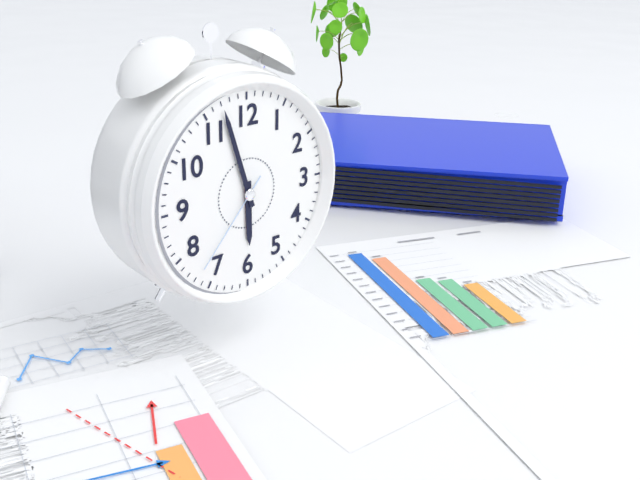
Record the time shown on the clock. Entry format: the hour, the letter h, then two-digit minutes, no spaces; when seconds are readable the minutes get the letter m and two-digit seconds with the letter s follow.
5h57m37s
